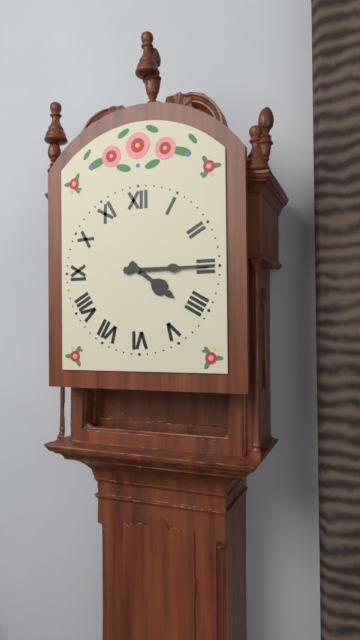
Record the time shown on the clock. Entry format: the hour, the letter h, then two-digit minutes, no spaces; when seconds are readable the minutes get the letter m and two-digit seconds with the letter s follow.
4h15
